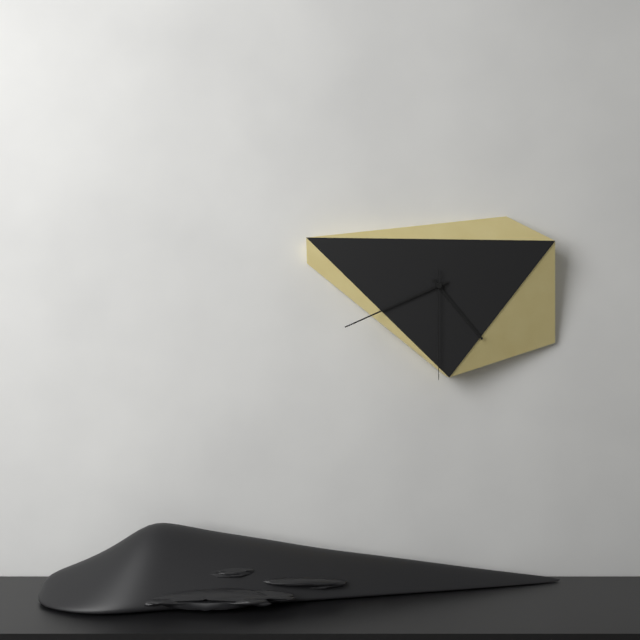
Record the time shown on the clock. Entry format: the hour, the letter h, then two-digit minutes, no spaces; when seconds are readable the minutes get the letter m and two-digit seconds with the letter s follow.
4h41m30s
